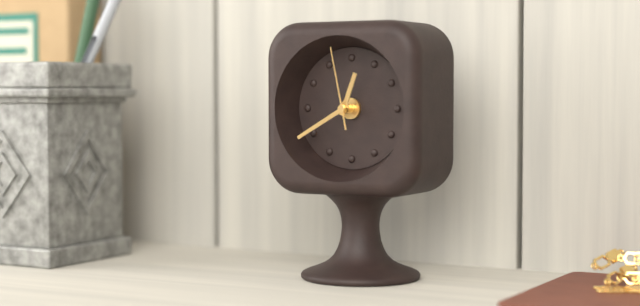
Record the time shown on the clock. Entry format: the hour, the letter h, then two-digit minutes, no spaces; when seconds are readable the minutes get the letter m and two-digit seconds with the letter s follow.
12h40m58s
